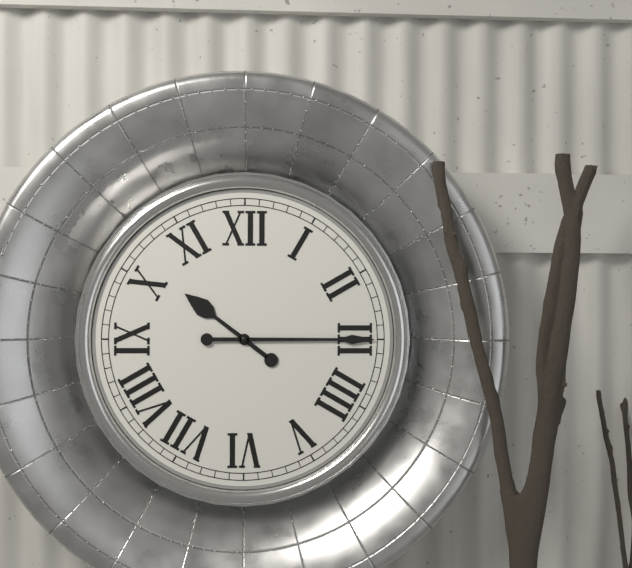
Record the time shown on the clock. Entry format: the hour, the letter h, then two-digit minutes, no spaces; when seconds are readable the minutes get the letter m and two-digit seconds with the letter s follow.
10h15
